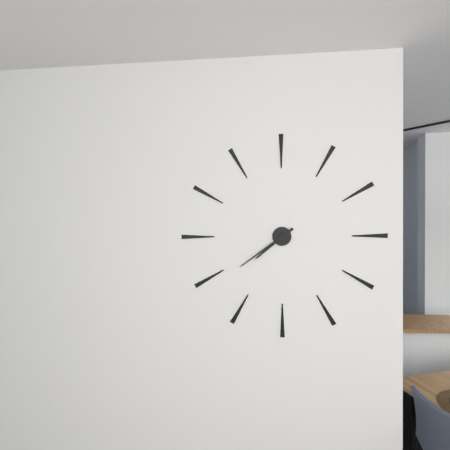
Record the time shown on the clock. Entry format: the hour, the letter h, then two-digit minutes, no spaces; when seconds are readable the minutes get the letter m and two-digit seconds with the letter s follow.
7h39
